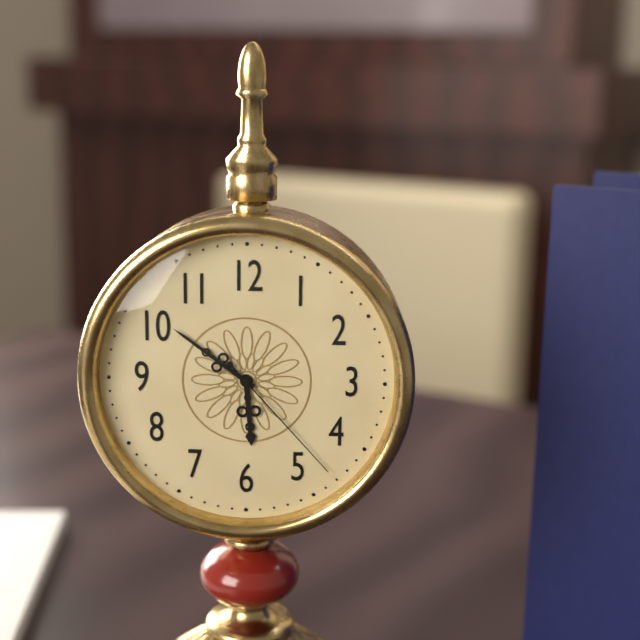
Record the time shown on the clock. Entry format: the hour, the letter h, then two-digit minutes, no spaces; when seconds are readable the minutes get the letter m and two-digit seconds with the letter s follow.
5h51m23s
